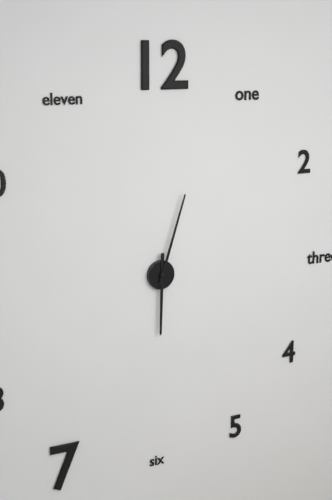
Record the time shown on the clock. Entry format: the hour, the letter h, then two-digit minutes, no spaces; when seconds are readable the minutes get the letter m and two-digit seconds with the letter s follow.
6h03
